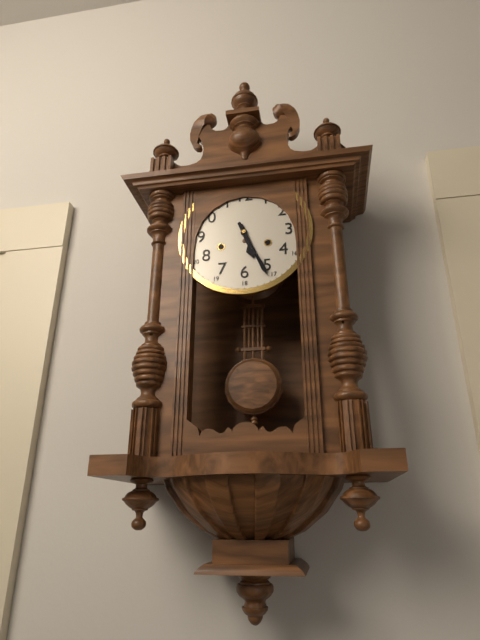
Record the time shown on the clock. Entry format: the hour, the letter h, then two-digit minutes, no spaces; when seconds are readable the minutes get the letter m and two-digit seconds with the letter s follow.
5h26
